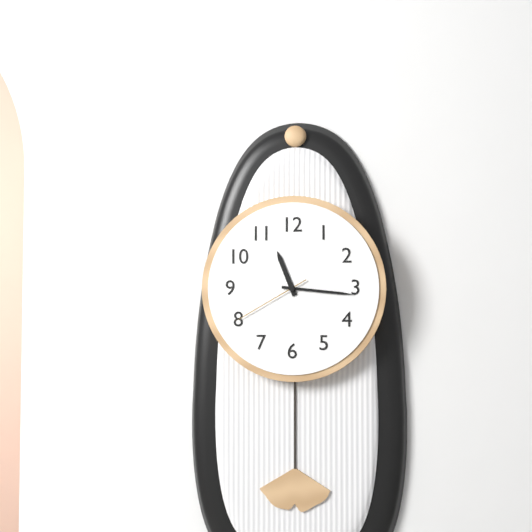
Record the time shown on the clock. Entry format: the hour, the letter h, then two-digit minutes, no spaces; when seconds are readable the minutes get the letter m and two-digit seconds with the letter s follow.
11h16m40s
